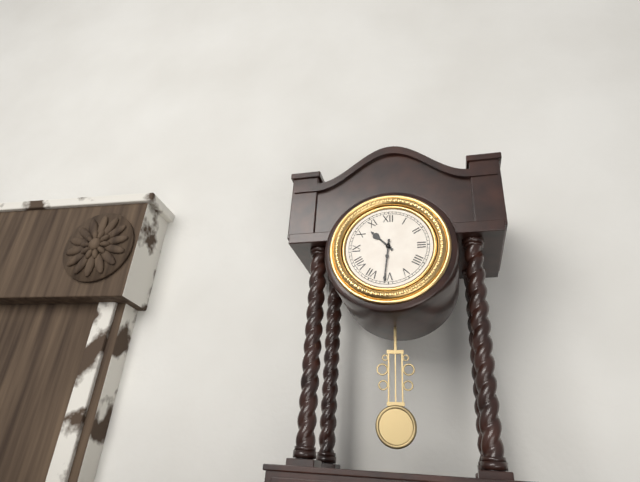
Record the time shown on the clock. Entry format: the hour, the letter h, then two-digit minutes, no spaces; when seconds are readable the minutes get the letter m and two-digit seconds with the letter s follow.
10h31
